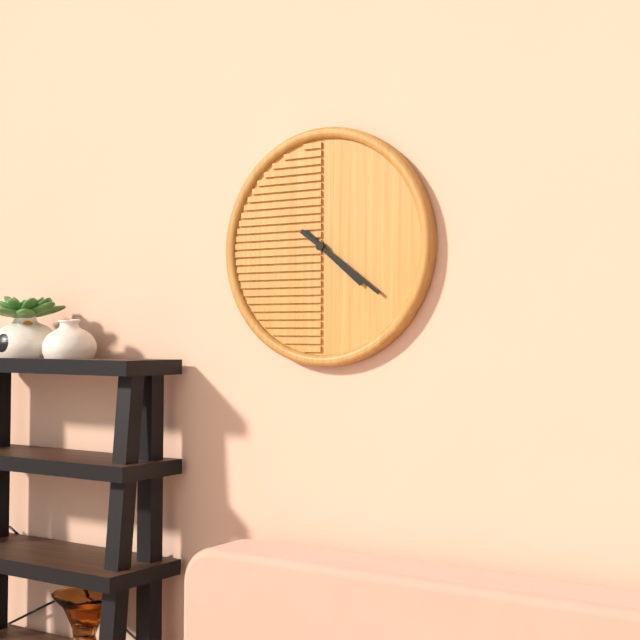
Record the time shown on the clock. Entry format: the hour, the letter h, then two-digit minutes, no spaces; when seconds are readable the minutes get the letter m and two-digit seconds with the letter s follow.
4h21
